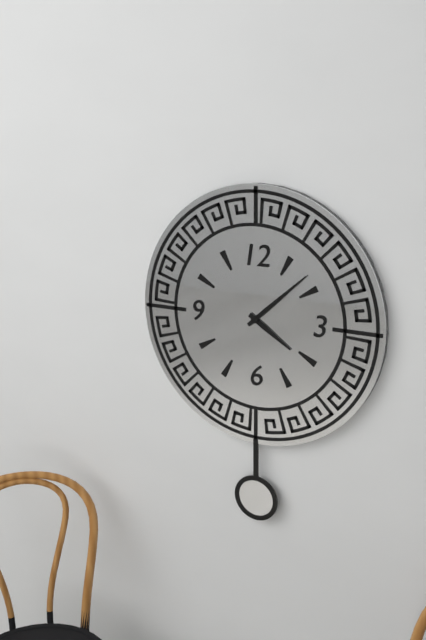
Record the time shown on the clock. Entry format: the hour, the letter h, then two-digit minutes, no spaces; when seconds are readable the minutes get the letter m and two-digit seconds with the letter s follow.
4h08
